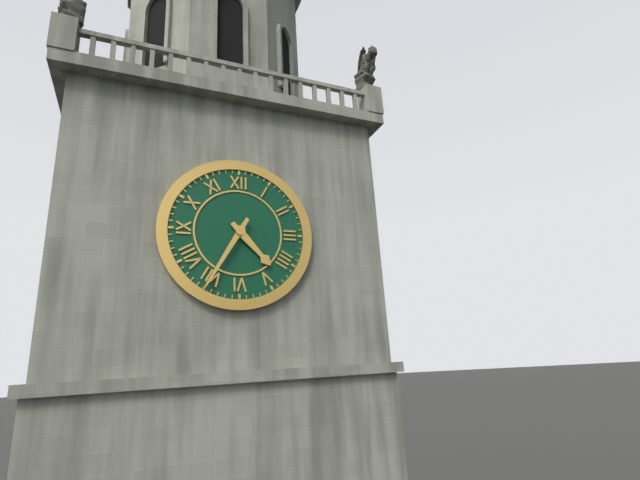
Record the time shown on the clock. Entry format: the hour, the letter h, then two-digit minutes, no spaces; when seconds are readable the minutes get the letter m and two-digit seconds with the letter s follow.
4h35
